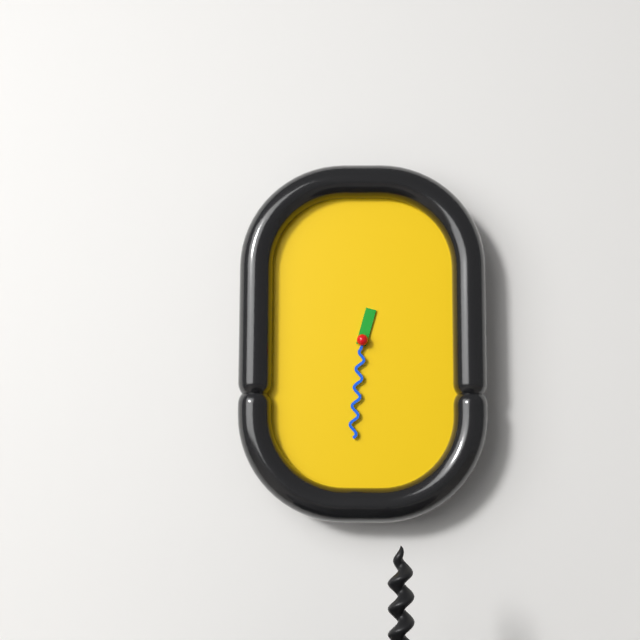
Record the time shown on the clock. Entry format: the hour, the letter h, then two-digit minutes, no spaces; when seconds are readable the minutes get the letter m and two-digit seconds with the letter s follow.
12h31
